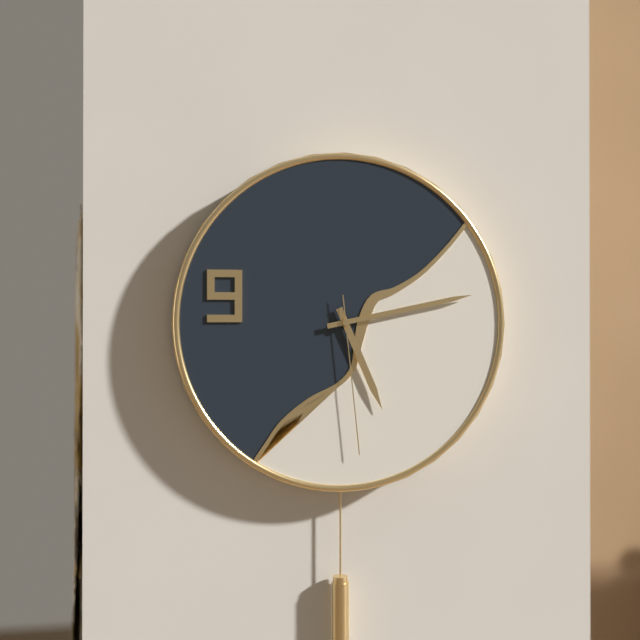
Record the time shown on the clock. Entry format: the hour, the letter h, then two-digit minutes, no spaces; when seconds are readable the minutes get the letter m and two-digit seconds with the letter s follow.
5h13m29s
